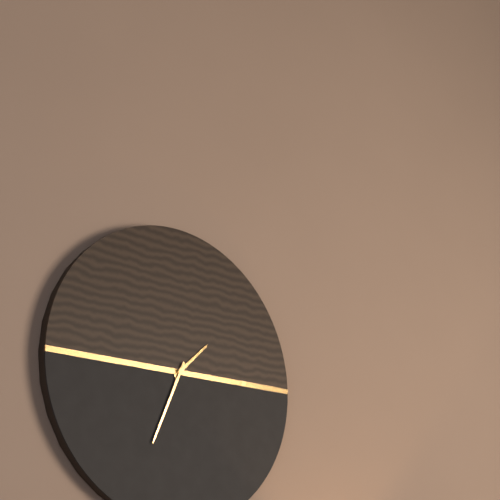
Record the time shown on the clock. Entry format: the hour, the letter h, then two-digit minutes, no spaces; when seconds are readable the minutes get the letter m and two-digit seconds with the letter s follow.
1h34
